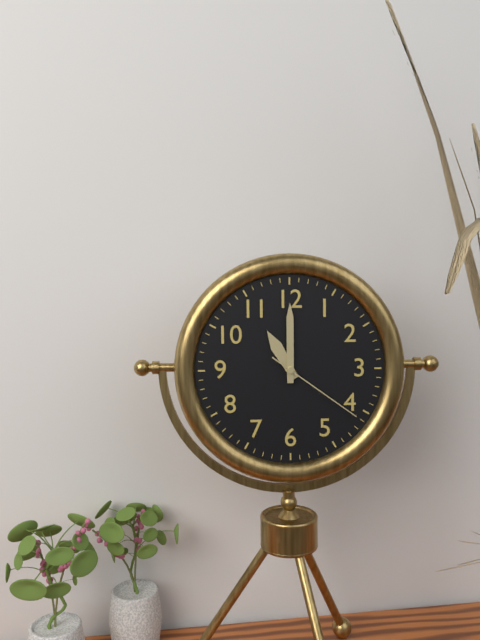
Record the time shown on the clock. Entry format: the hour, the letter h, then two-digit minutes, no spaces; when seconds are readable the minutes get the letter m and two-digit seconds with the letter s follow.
11h00m21s
